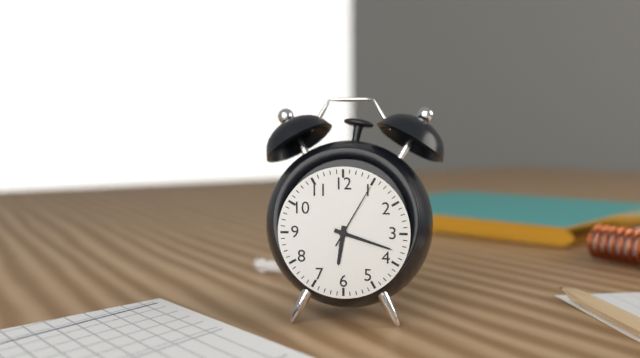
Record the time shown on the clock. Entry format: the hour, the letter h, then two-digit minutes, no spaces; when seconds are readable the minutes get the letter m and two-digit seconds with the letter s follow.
6h18m05s
